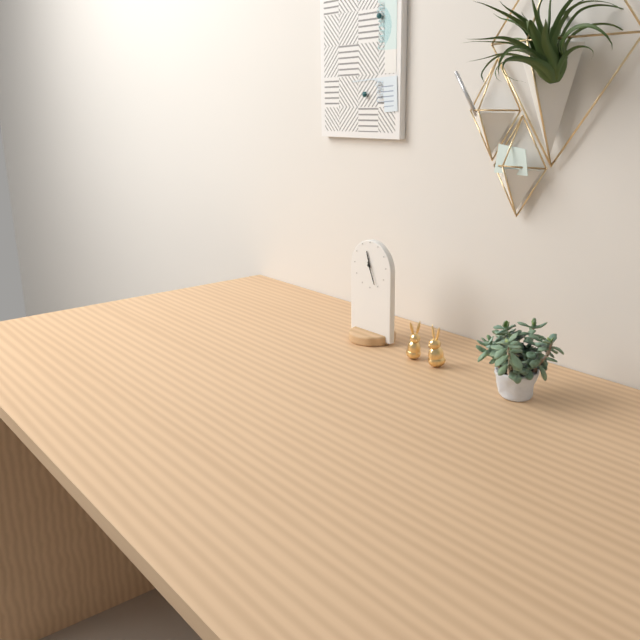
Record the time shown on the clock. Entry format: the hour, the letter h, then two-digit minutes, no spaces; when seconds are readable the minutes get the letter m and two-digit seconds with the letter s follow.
11h26
